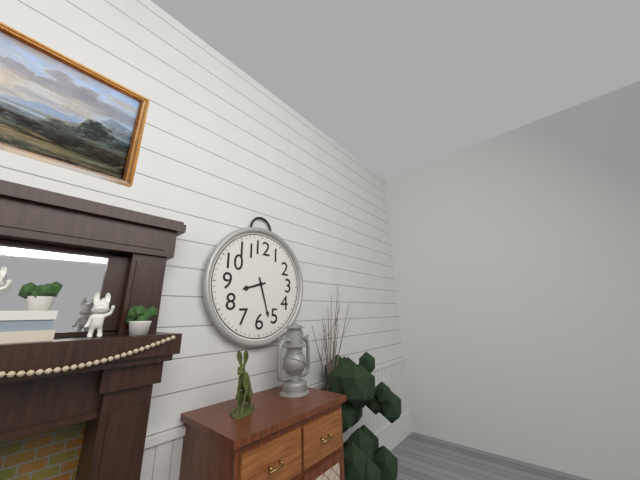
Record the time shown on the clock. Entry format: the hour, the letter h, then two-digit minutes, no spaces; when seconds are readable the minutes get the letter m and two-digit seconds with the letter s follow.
8h27
